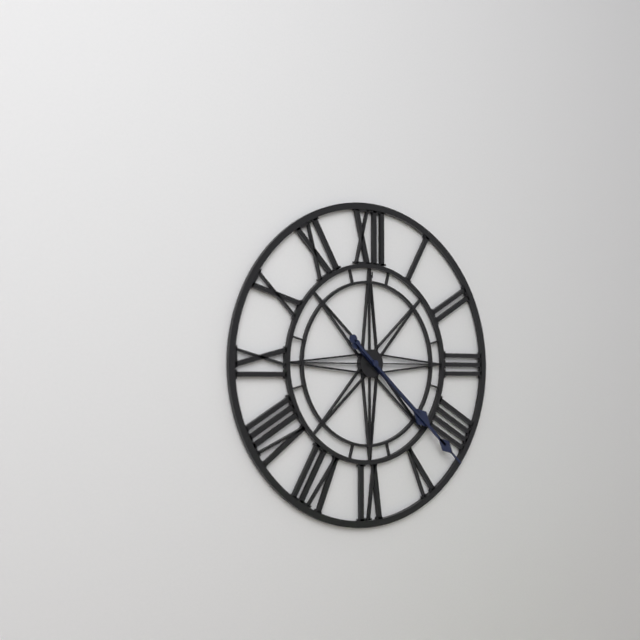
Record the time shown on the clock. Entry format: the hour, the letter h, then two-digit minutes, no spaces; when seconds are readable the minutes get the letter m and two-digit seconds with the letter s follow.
4h22
